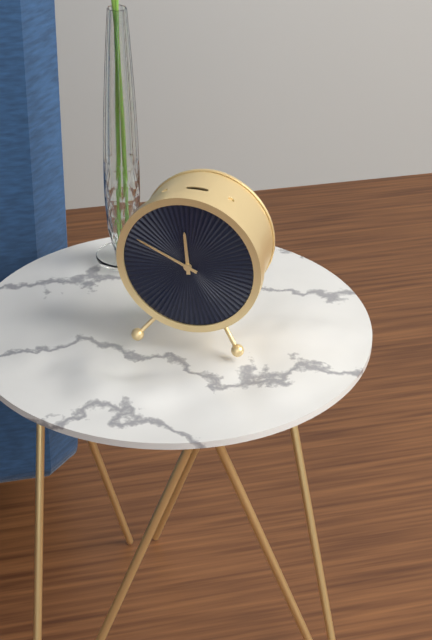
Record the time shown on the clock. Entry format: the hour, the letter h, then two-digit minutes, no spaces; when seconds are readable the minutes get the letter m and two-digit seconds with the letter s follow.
11h49
